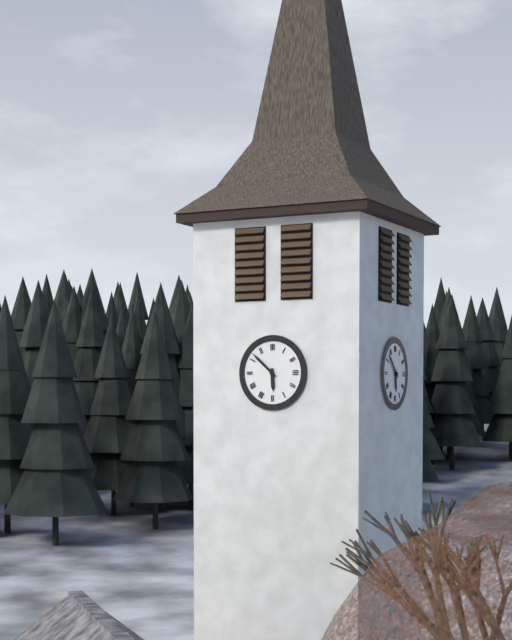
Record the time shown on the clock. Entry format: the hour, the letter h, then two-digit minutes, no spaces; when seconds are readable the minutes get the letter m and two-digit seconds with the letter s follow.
5h52
